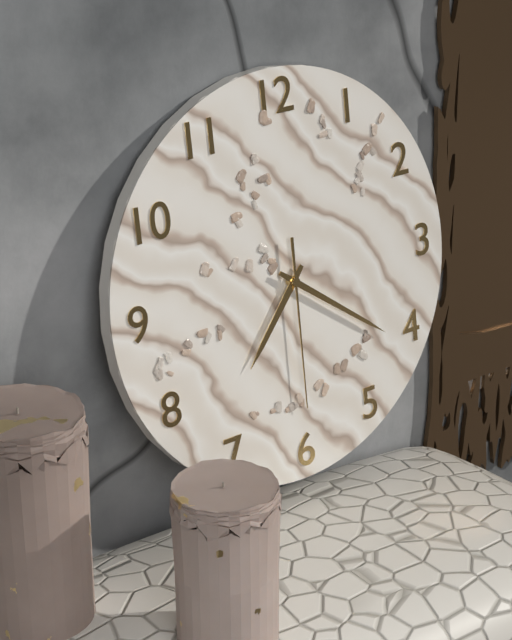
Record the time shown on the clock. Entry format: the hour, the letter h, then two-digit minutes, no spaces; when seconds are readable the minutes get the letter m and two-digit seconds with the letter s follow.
7h21m30s
